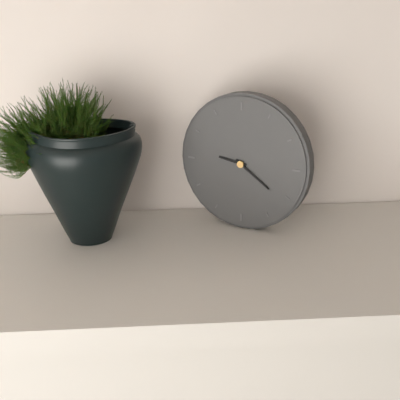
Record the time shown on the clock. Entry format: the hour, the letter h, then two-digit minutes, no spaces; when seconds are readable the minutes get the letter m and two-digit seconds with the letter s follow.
9h21
